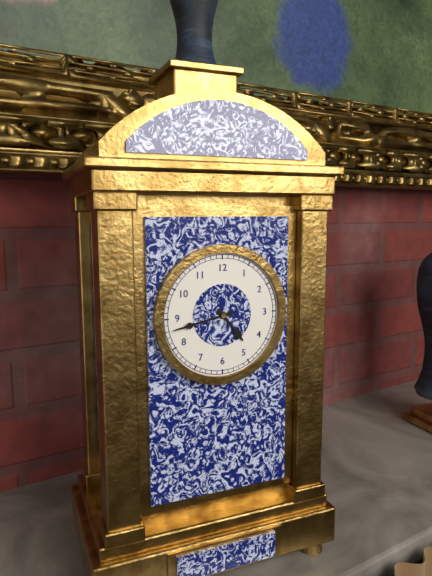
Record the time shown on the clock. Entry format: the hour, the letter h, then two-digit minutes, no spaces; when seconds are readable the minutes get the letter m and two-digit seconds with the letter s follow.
4h43
